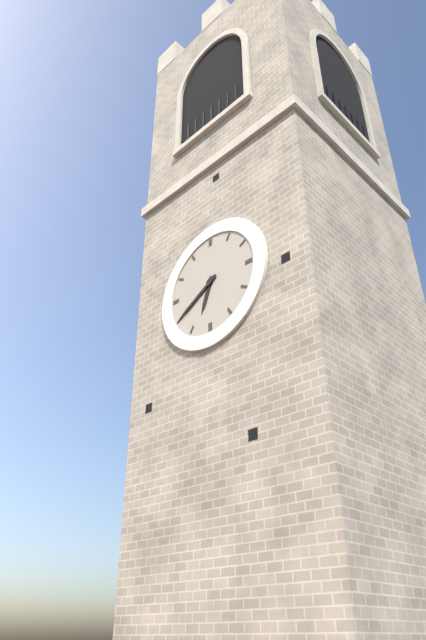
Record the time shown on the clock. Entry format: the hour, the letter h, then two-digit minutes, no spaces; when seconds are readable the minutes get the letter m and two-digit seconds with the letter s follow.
6h40
